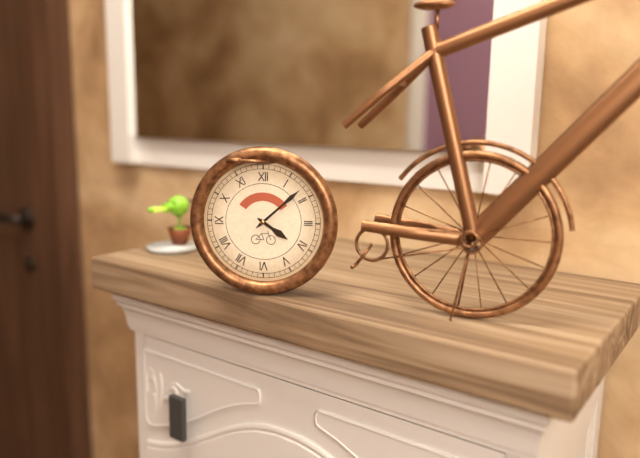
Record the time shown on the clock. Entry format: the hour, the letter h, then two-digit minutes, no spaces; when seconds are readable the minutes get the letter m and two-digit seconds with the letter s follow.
4h08
